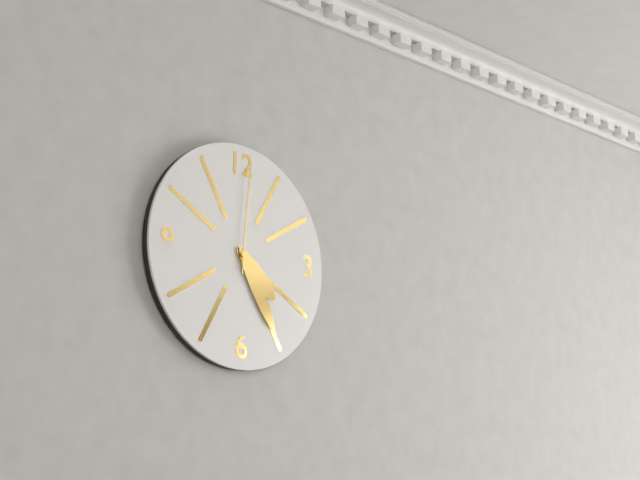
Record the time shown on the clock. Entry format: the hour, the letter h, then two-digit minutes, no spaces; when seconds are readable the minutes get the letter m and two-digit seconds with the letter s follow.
4h25m01s
